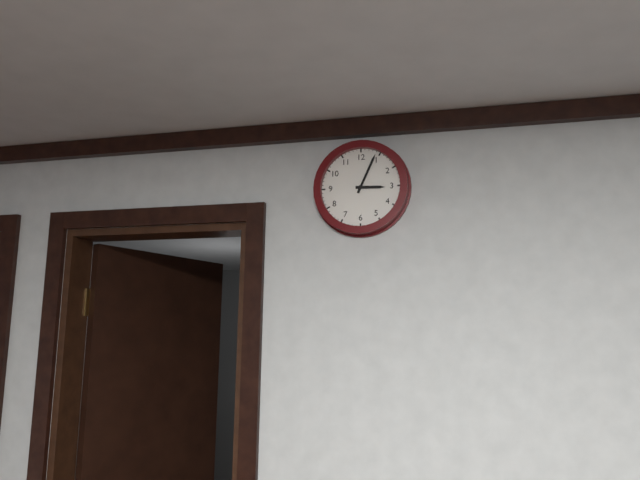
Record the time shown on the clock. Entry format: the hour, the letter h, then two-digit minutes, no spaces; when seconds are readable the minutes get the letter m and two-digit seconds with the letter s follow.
3h04
